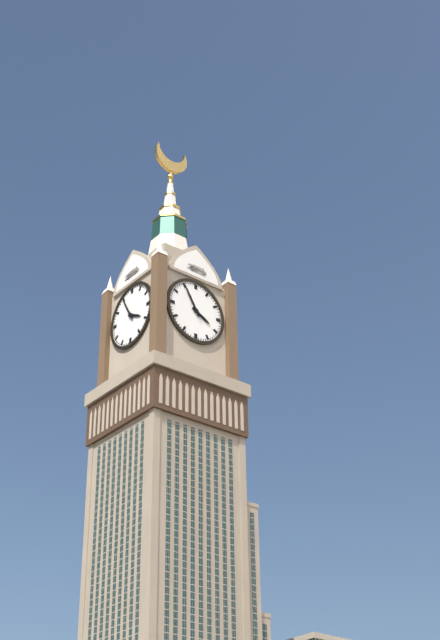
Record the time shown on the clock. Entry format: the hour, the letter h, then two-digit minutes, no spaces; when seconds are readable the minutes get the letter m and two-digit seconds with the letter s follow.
3h55
